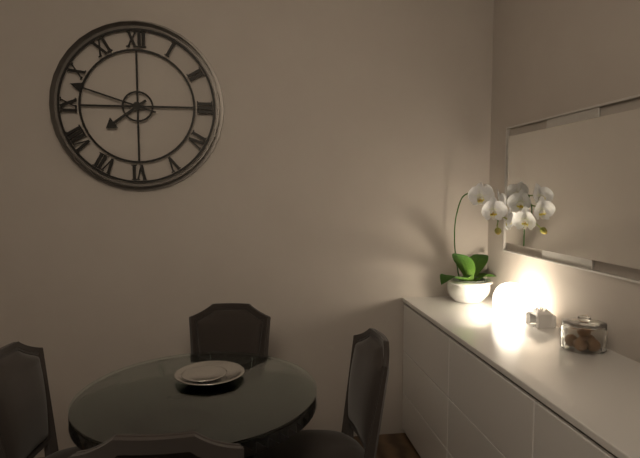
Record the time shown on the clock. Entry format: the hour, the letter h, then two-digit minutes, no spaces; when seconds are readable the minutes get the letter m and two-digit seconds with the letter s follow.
7h48
